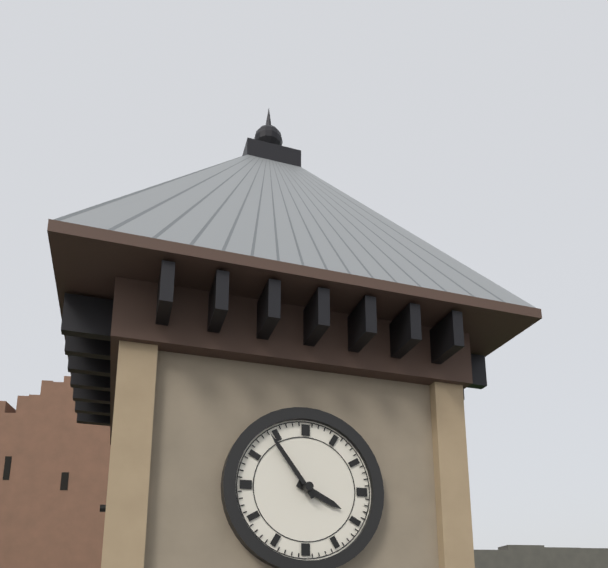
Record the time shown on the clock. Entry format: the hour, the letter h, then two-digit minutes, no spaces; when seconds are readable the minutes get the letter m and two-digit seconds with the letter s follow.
3h54
